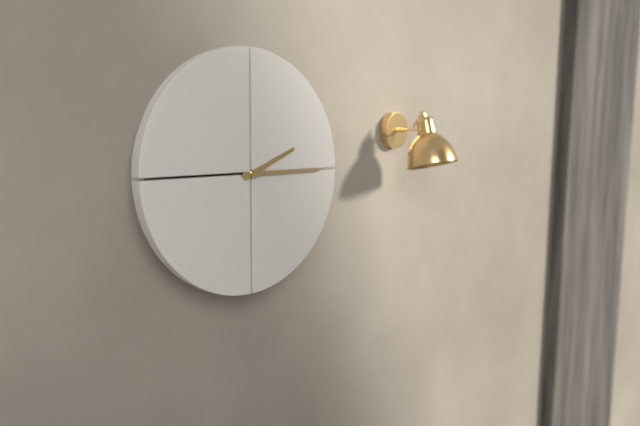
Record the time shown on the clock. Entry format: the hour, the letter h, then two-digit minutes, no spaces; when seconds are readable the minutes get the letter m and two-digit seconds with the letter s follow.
2h15
